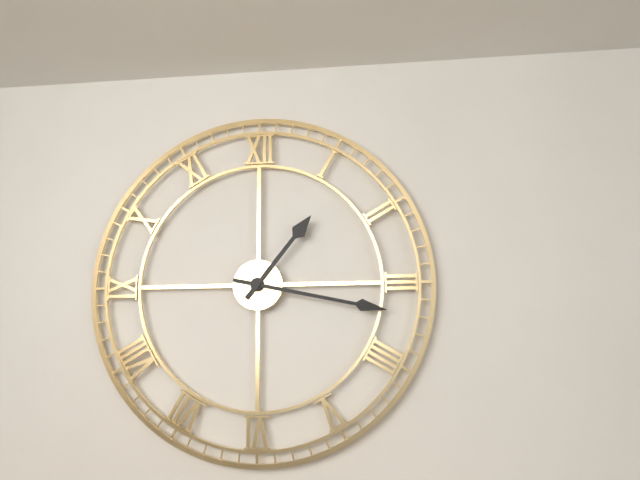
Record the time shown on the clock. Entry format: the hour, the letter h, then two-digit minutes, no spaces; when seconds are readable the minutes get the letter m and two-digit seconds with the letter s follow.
1h17
